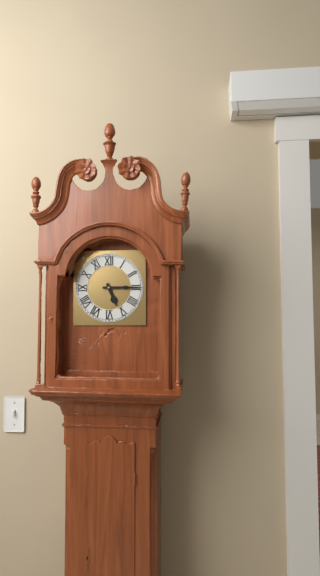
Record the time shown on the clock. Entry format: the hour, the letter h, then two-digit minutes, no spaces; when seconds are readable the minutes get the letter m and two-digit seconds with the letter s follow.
5h15
